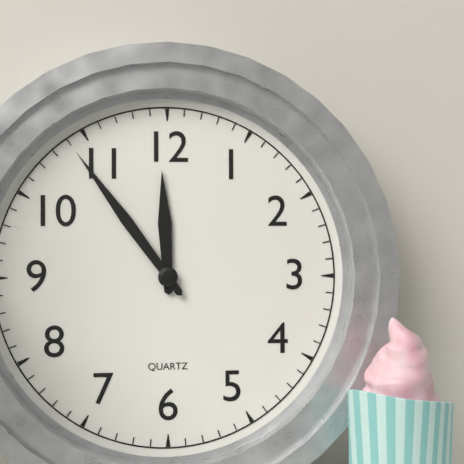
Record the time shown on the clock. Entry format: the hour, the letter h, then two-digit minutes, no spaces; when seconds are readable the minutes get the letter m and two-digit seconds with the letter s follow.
11h54
